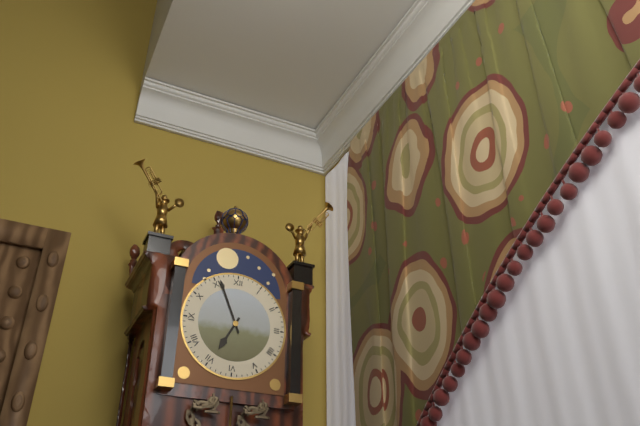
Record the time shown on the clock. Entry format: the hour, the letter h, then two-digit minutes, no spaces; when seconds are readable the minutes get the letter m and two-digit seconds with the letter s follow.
6h56
